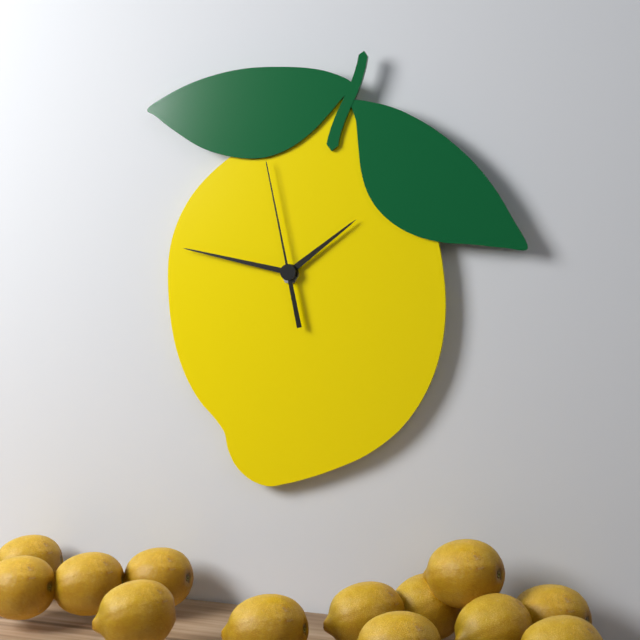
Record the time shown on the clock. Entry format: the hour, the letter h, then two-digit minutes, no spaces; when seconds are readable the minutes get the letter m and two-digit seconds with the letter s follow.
1h47m58s
